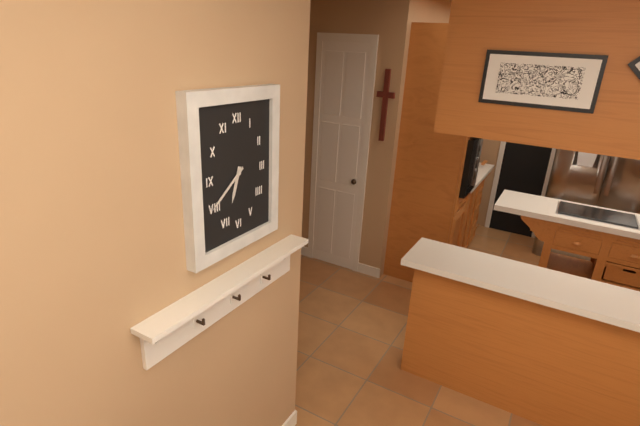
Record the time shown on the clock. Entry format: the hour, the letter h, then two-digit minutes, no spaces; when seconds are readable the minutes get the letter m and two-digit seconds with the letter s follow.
6h39
